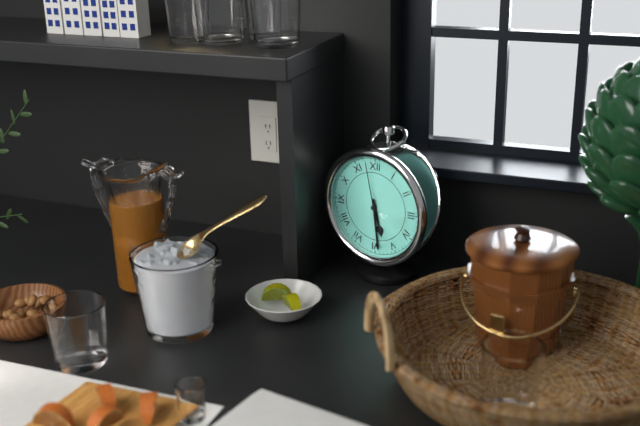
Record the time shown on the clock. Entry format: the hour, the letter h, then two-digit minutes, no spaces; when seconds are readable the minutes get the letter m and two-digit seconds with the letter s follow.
5h29m58s
